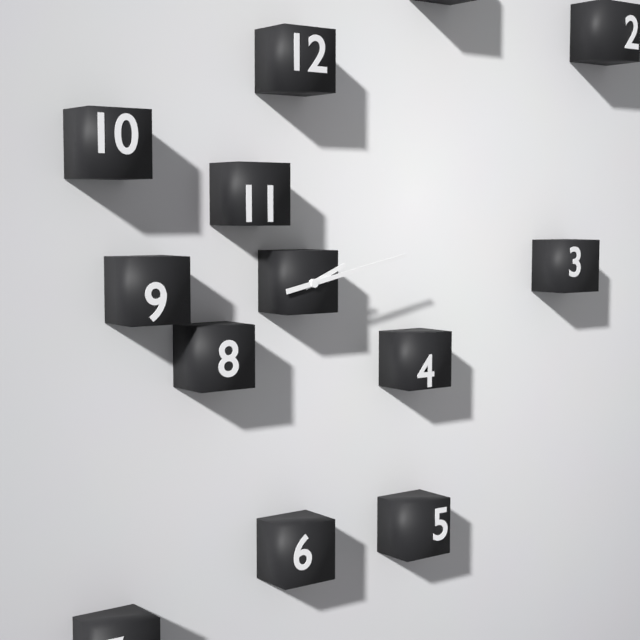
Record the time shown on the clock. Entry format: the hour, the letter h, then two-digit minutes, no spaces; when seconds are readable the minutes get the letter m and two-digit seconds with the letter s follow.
2h13
